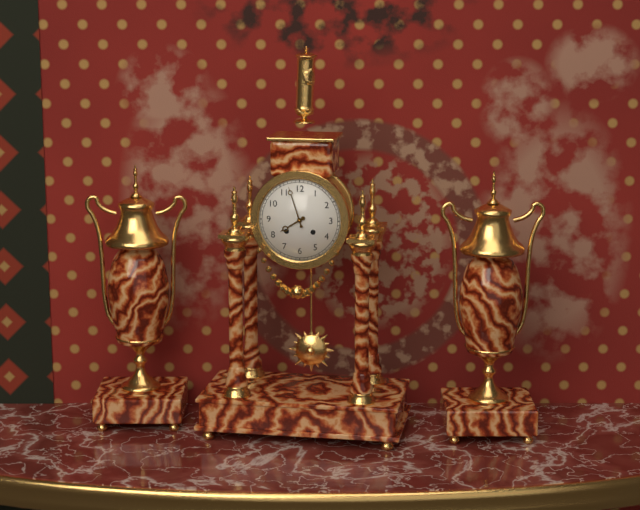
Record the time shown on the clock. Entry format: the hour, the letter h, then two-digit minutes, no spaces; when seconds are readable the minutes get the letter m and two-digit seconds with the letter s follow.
7h57
